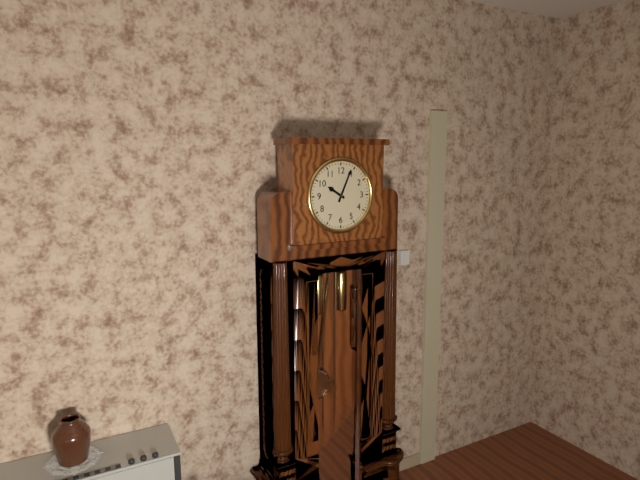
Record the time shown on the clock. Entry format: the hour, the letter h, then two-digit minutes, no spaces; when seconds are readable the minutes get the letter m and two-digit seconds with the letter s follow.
10h04
